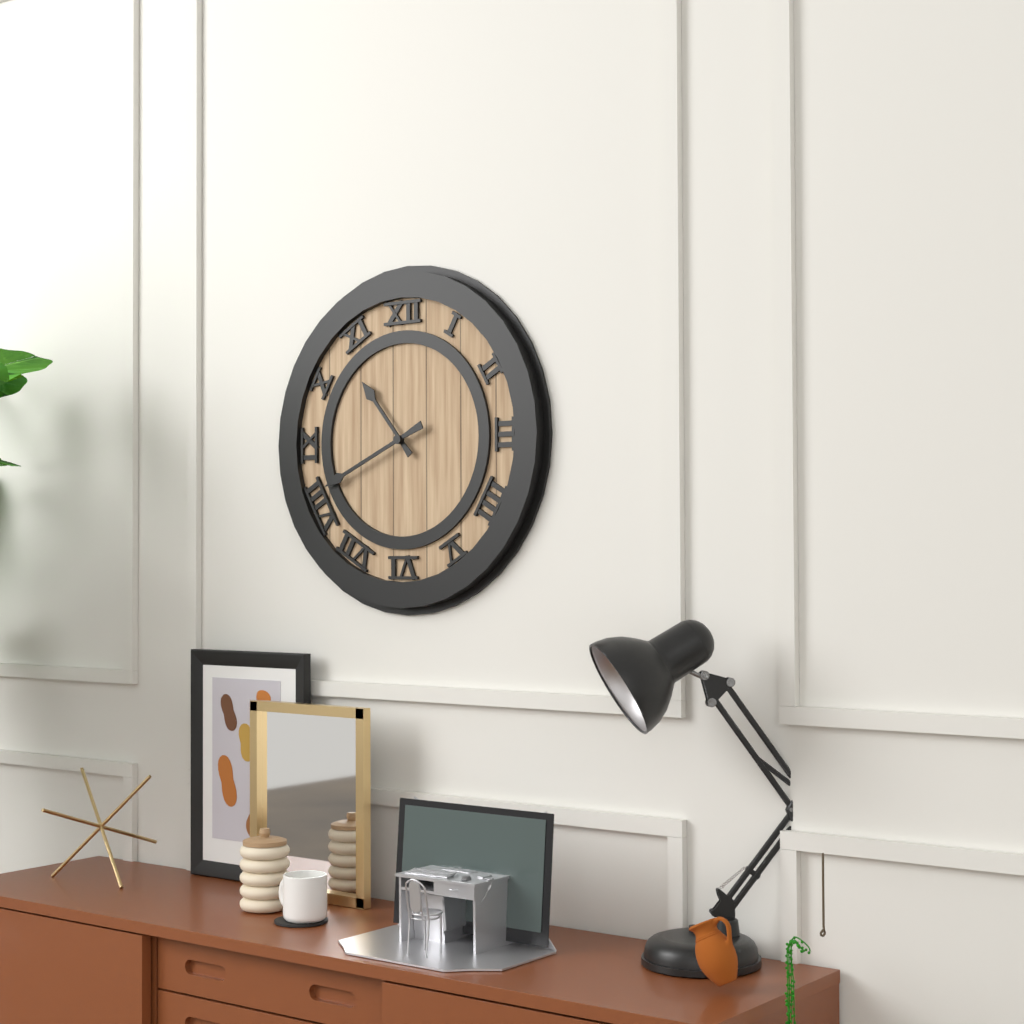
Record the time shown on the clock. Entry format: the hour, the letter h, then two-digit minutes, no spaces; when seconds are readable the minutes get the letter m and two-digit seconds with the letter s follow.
10h41
